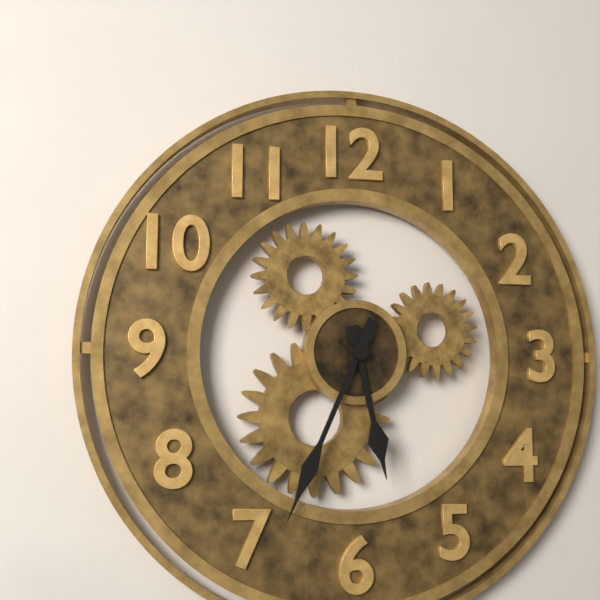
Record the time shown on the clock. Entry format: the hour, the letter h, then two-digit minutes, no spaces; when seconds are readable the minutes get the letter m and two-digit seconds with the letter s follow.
5h34
